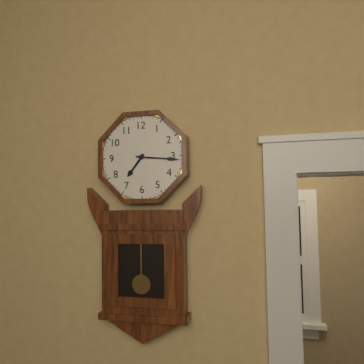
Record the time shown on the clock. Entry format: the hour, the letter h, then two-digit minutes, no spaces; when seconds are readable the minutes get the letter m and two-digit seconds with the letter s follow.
7h16
